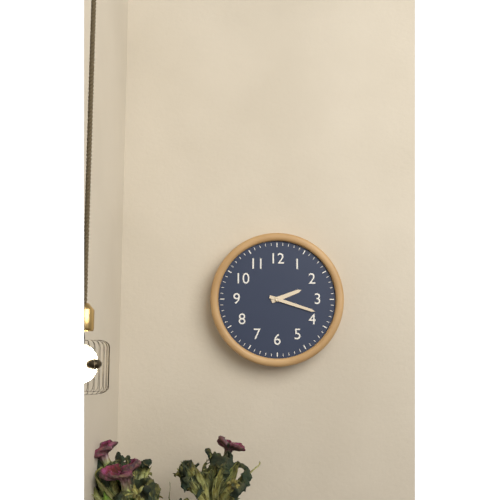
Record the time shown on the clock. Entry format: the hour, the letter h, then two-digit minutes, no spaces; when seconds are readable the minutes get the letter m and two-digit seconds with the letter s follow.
2h18
